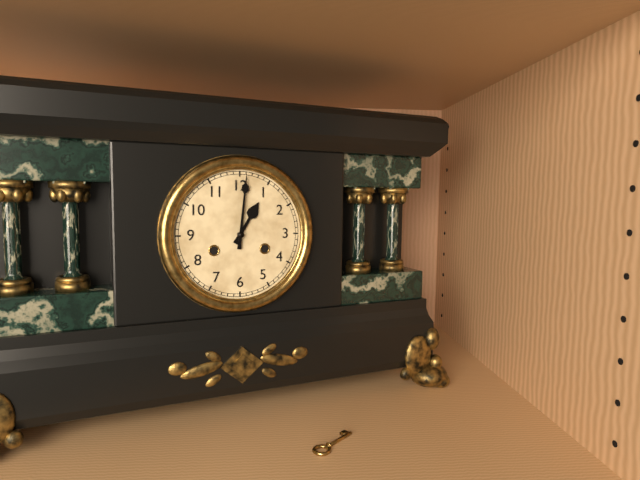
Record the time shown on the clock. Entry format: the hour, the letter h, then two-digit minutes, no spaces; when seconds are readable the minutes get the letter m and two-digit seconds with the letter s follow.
1h01
